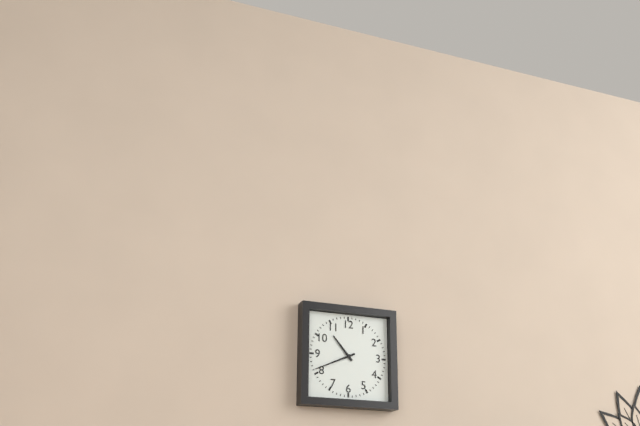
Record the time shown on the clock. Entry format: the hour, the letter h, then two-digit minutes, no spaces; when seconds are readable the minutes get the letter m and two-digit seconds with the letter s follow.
10h41
